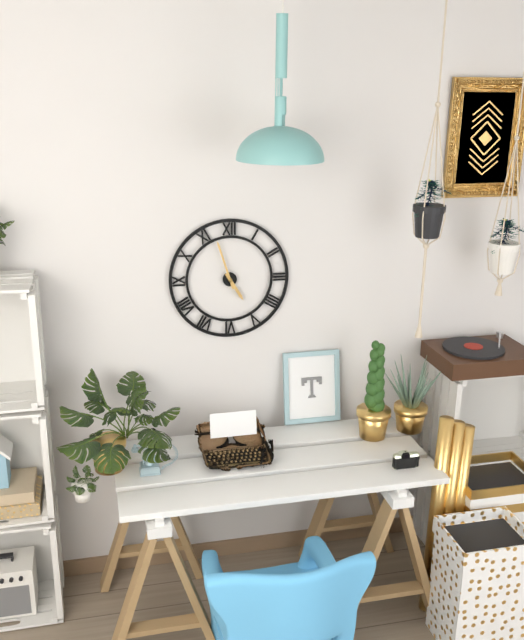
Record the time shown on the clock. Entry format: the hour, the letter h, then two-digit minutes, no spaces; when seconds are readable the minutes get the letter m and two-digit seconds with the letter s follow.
4h57
